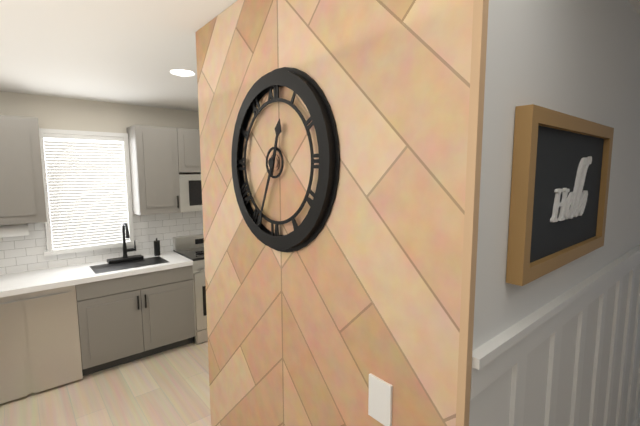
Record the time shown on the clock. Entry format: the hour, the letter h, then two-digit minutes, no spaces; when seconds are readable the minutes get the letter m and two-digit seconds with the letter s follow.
12h34
